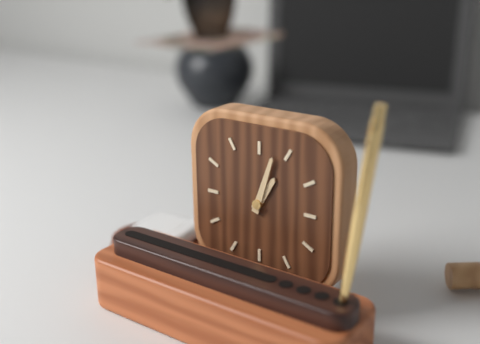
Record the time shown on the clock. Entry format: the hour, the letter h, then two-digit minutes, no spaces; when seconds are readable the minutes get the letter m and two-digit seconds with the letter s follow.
1h03
